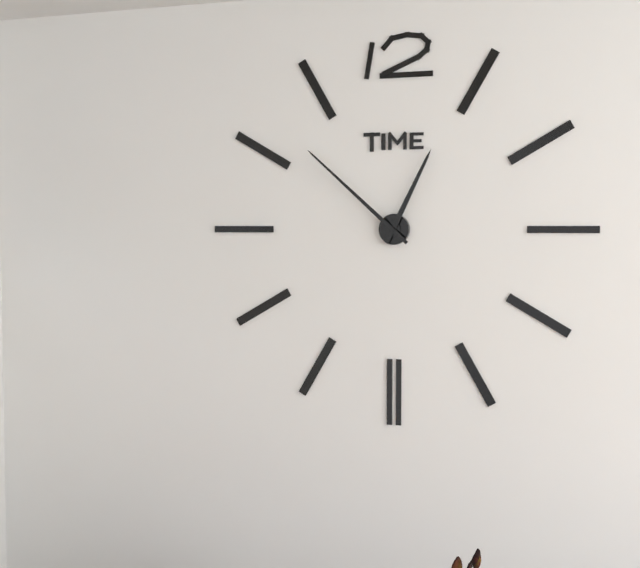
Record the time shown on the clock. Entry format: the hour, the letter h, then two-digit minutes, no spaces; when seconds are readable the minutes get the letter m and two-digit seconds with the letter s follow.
12h52
